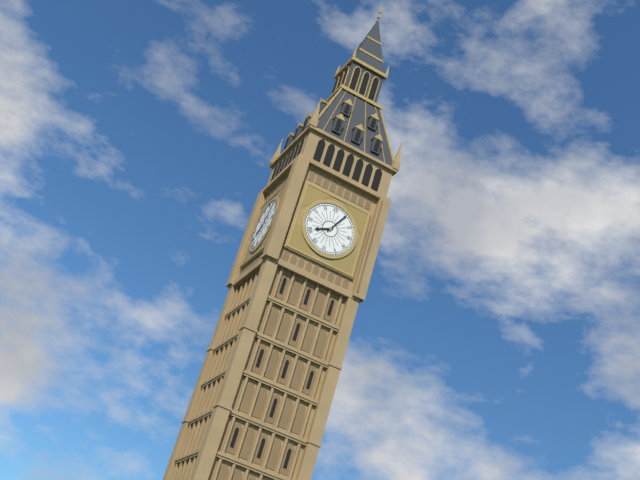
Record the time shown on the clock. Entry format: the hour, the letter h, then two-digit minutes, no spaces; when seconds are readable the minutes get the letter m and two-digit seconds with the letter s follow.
8h05
